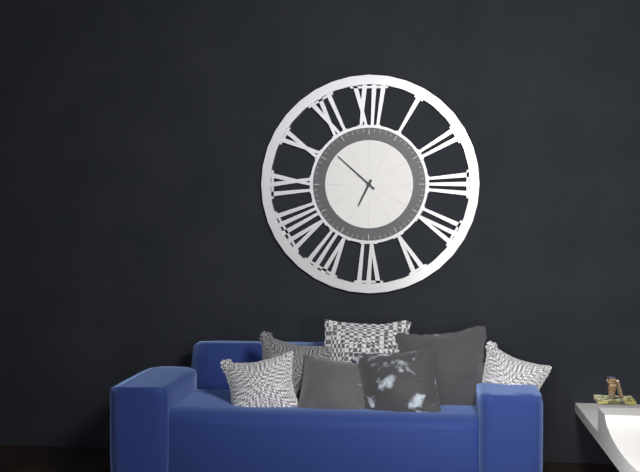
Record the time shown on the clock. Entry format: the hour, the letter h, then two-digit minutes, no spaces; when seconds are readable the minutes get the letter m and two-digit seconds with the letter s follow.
6h52
